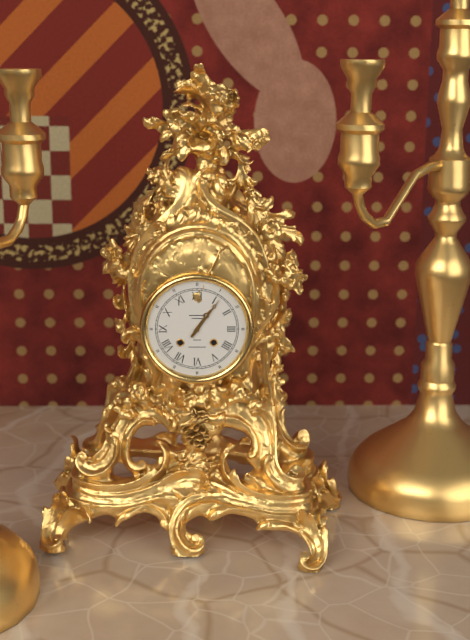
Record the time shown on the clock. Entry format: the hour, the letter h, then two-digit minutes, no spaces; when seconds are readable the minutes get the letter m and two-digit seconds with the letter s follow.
1h06
